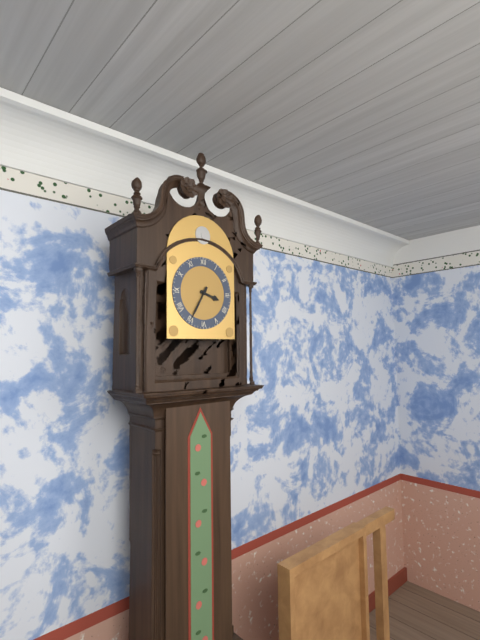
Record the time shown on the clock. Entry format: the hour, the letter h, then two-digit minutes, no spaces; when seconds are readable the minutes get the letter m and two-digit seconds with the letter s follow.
3h35
